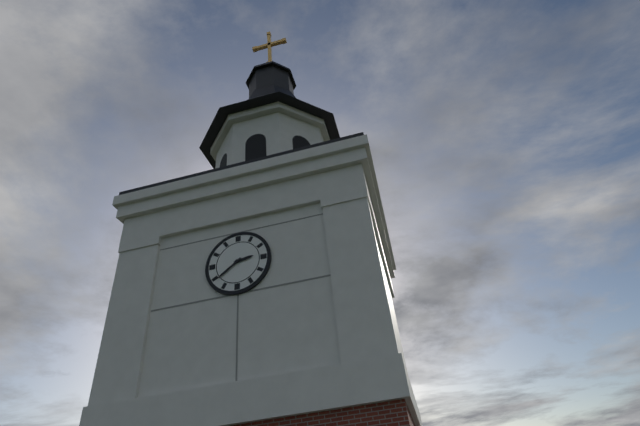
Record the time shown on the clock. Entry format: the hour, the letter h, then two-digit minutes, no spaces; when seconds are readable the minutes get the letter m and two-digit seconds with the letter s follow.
2h39
